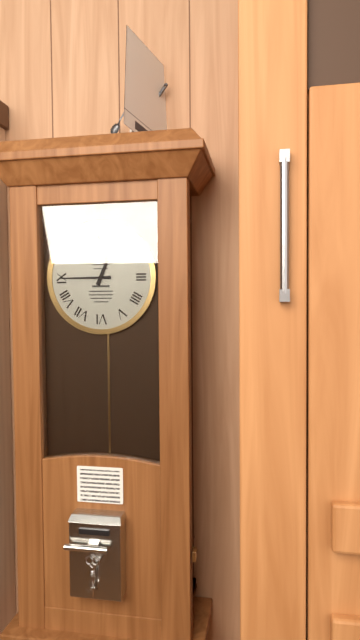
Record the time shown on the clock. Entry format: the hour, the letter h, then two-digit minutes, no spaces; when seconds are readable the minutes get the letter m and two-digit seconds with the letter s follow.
12h45
